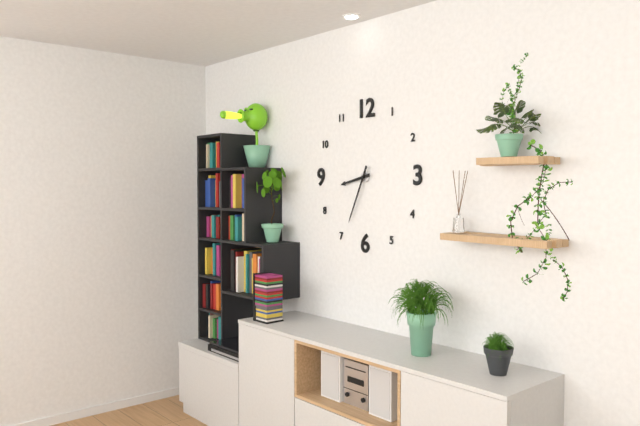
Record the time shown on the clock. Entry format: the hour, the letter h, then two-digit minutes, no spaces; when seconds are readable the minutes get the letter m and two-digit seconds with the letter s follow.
8h34
